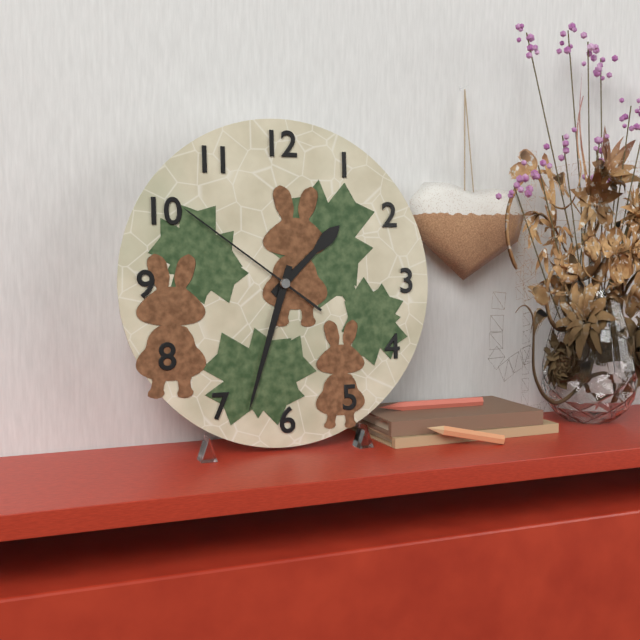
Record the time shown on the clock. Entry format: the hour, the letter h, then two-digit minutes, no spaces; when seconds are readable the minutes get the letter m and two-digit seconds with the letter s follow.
1h33m51s
